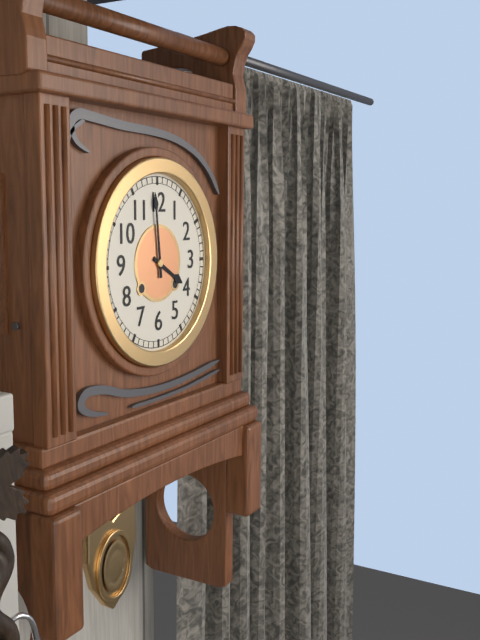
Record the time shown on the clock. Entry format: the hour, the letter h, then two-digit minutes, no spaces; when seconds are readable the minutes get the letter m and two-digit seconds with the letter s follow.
3h59
